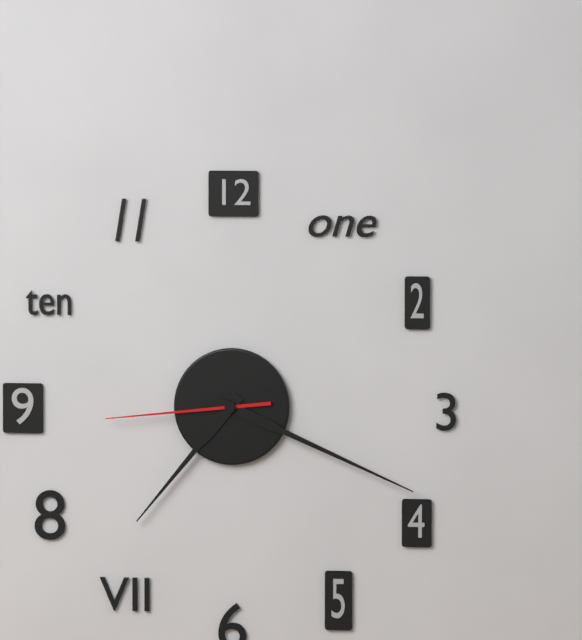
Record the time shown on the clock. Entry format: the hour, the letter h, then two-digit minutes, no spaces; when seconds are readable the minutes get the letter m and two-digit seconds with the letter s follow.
7h19m44s
